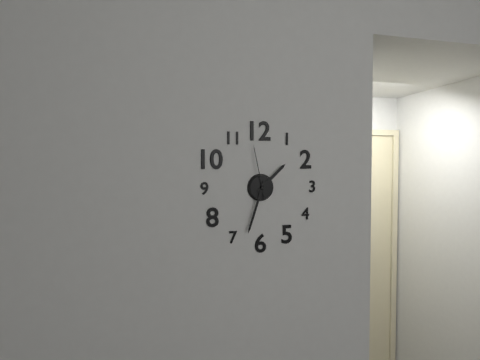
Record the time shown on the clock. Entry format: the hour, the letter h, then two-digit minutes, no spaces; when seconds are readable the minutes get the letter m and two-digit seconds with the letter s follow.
1h33m58s
